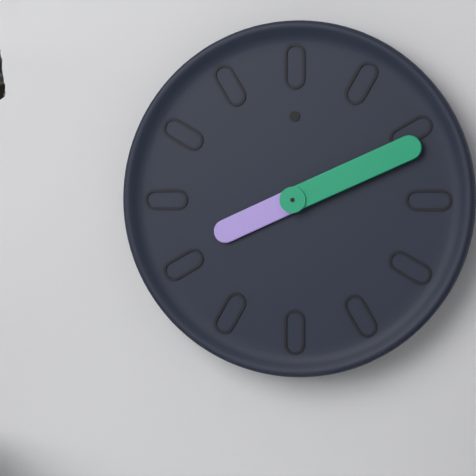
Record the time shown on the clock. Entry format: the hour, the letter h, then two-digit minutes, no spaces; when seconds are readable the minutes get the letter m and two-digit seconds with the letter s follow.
8h11
